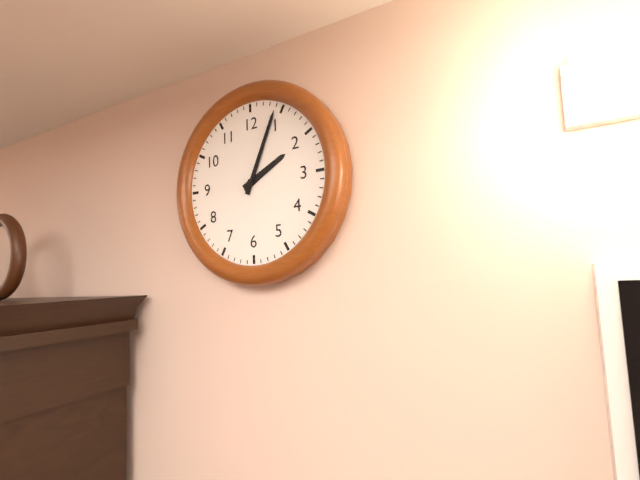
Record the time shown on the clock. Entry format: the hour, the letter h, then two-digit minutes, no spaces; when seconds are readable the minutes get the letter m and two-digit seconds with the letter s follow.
2h04
